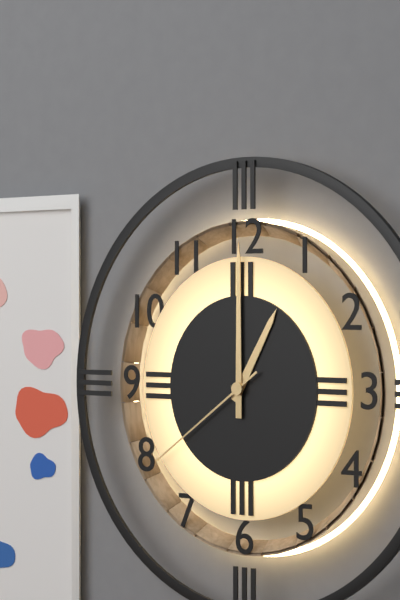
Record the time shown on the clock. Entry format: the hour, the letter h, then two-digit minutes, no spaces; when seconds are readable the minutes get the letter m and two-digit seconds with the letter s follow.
1h00m39s
